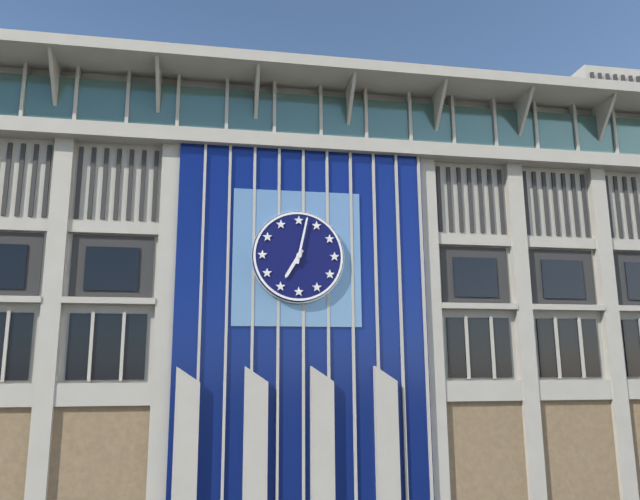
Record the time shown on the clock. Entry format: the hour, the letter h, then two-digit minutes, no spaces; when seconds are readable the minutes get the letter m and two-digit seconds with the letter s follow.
7h02
